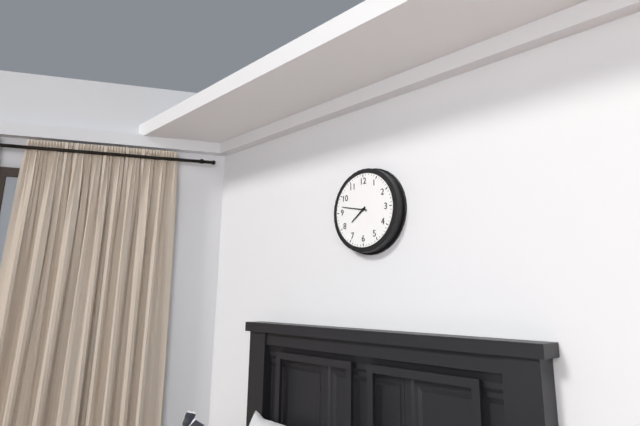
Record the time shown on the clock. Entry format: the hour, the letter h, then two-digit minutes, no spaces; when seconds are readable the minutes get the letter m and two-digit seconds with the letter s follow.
7h47
